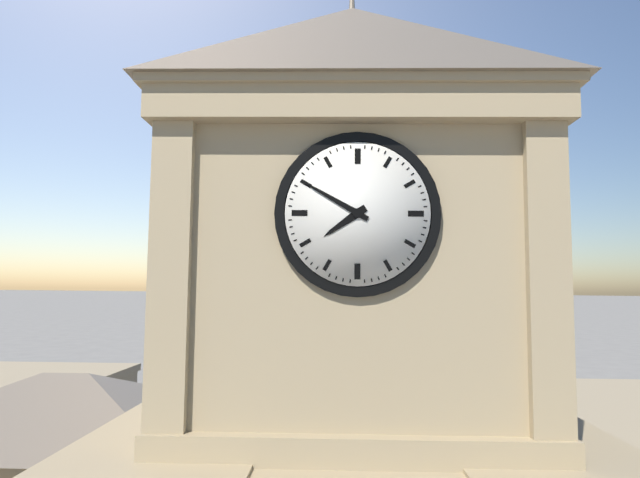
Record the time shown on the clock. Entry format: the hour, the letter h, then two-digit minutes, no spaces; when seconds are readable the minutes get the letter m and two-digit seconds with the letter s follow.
7h50
